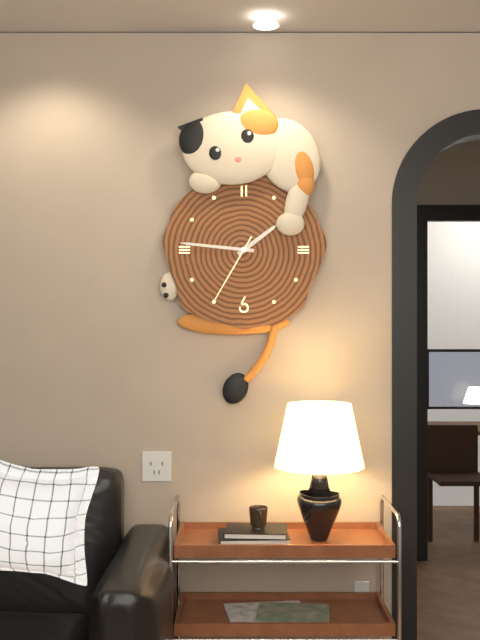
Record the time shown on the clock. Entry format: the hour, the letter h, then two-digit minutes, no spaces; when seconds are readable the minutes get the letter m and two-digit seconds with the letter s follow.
1h46m35s
